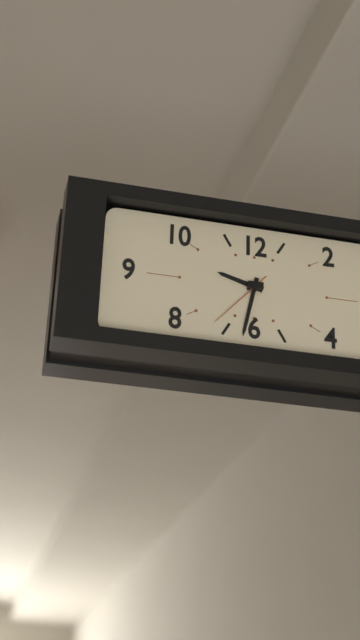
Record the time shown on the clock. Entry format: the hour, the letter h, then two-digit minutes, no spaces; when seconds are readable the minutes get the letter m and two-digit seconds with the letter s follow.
9h32m37s
